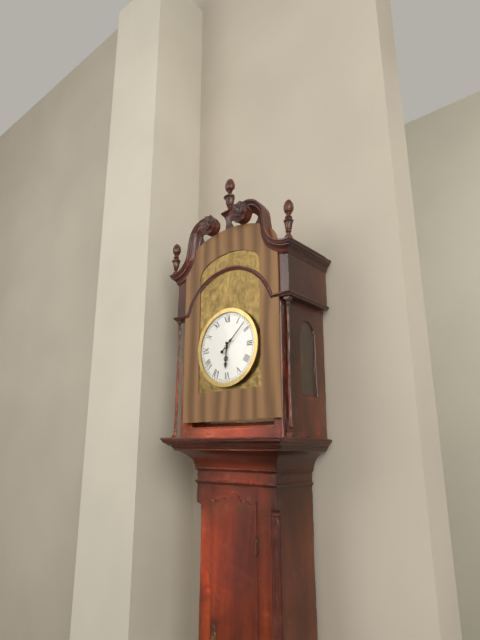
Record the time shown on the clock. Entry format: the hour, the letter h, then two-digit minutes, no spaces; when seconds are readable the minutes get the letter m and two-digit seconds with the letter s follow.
6h08
